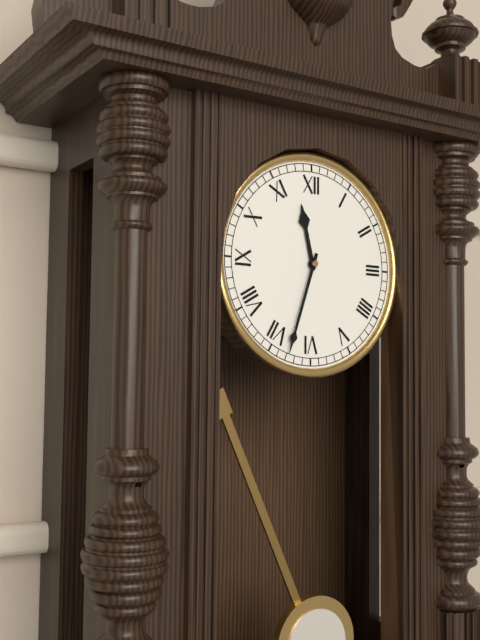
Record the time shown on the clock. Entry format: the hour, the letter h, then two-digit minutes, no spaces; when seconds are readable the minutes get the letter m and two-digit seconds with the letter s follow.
11h33
